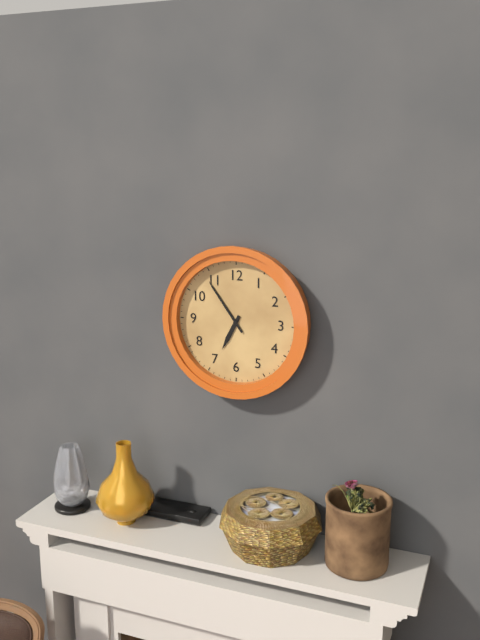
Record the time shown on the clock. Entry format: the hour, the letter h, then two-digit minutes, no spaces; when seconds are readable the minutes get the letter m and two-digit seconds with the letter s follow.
6h54
